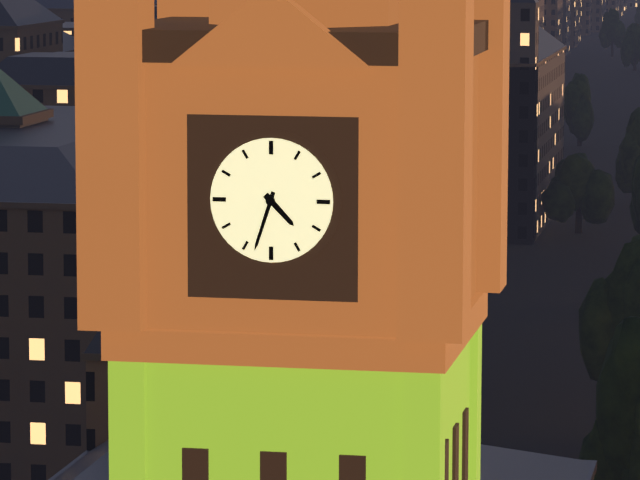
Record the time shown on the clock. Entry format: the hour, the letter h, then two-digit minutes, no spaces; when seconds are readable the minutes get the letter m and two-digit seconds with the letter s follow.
4h33
